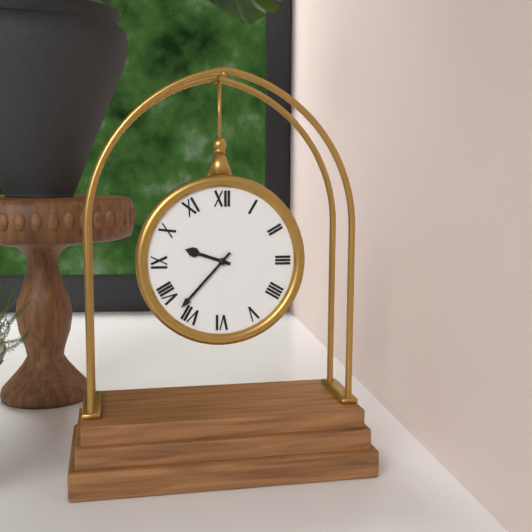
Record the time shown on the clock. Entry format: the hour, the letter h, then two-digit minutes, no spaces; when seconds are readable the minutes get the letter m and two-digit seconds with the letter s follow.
9h37
